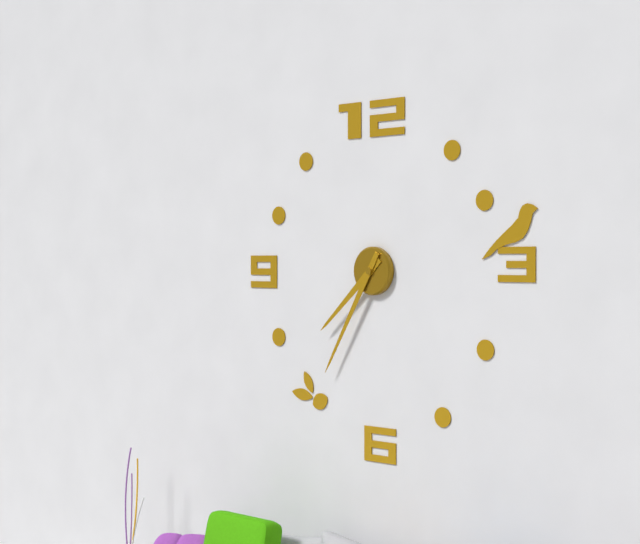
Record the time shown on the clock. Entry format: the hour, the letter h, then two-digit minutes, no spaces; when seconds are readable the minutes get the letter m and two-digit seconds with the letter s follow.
7h35
